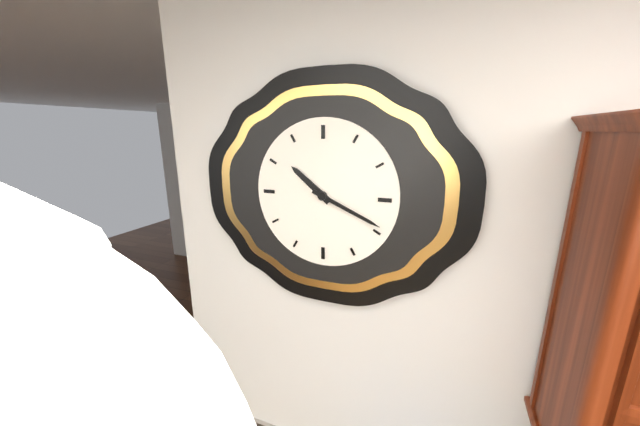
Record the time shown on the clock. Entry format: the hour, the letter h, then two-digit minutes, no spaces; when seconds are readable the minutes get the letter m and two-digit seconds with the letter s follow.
10h19
